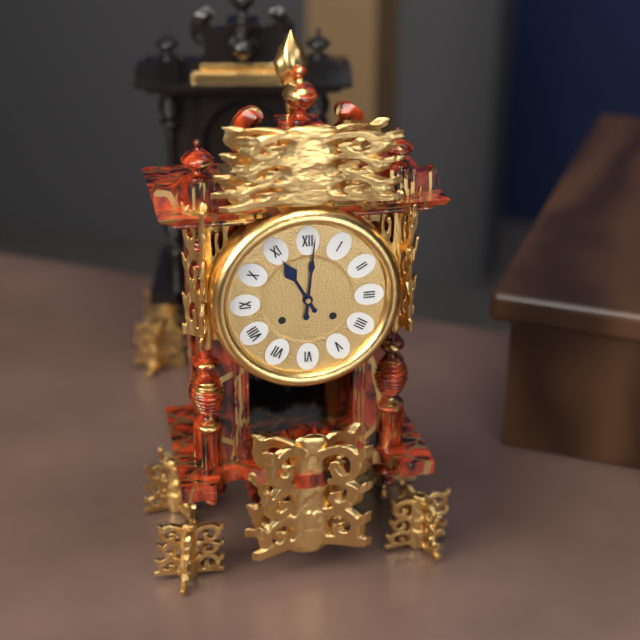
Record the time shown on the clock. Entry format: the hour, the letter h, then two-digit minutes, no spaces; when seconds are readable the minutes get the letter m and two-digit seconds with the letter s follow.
11h01
